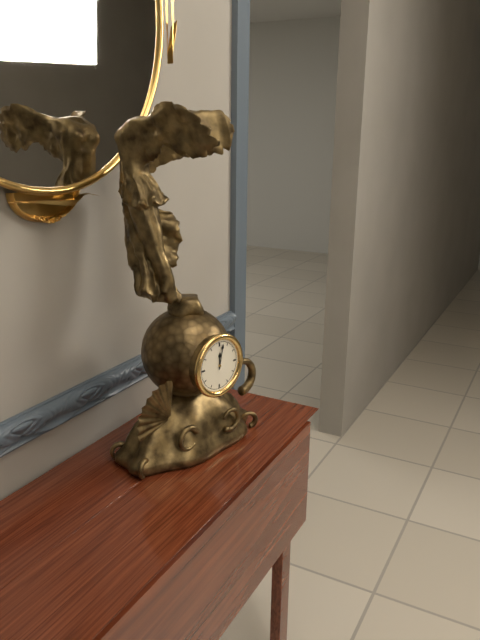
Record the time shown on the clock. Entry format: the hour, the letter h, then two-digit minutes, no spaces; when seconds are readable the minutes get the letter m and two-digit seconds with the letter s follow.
12h02
